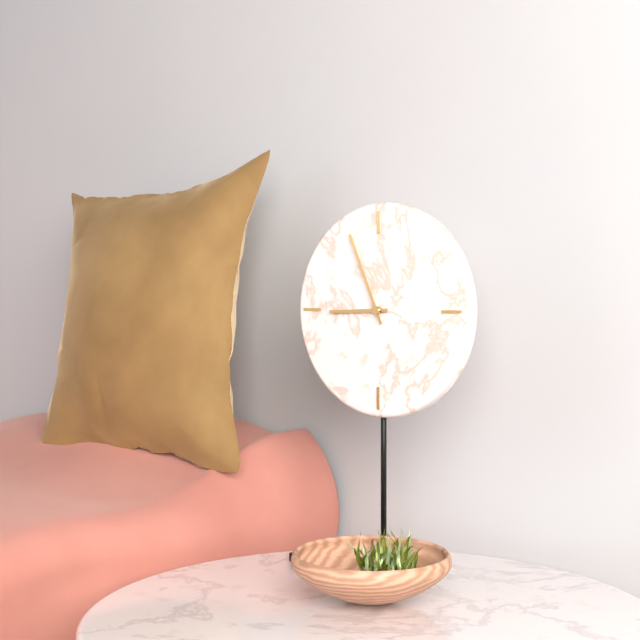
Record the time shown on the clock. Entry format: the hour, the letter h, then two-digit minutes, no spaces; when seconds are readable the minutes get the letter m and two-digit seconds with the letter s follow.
8h56
